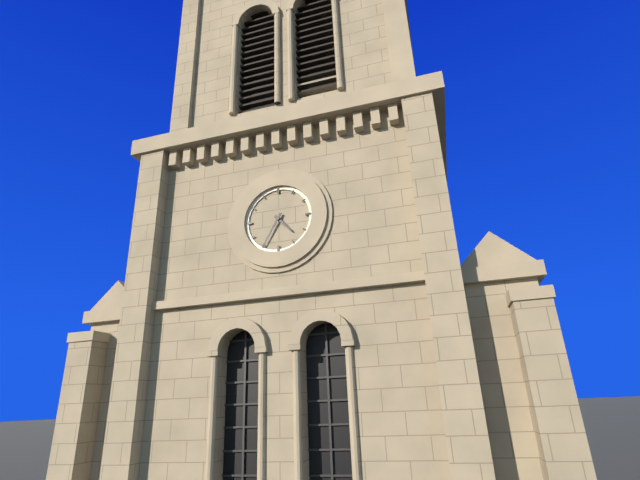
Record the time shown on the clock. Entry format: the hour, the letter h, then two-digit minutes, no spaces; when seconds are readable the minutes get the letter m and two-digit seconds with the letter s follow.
4h35
